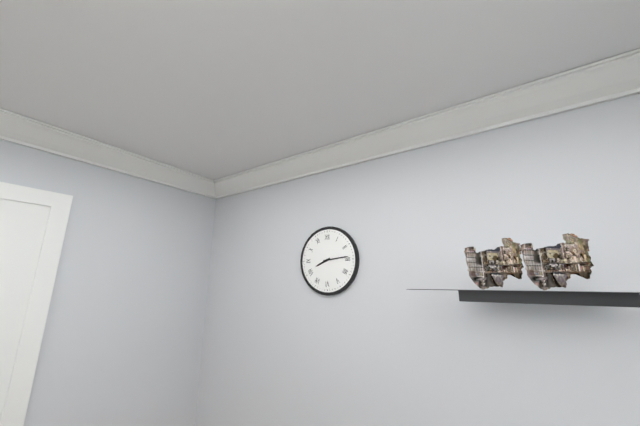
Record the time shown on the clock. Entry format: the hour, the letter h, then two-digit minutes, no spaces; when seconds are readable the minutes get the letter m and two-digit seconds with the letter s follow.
8h14
